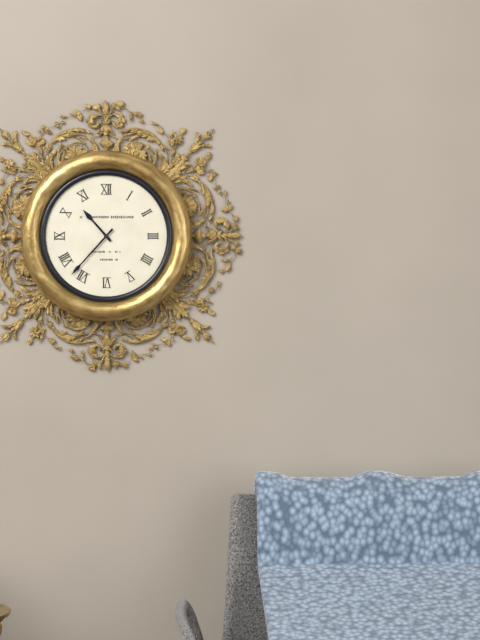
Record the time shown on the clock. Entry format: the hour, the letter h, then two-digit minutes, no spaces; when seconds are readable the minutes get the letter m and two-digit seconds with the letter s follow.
10h37
